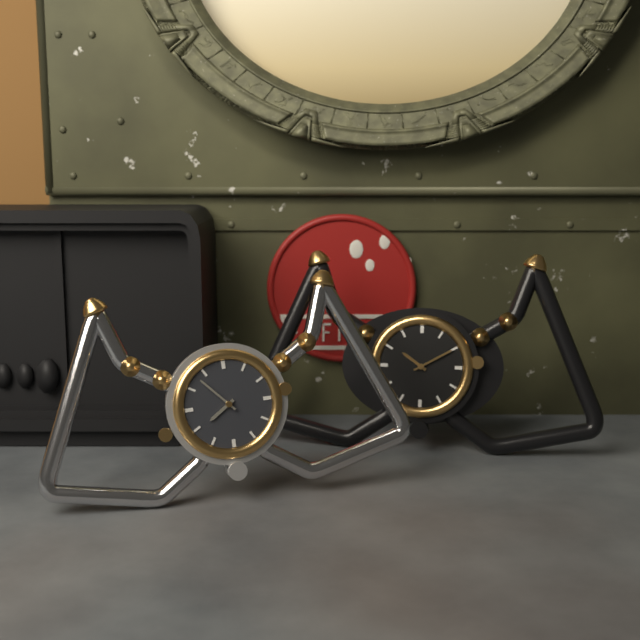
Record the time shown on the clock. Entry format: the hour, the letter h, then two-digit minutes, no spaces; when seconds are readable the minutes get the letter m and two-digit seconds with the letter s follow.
7h53
